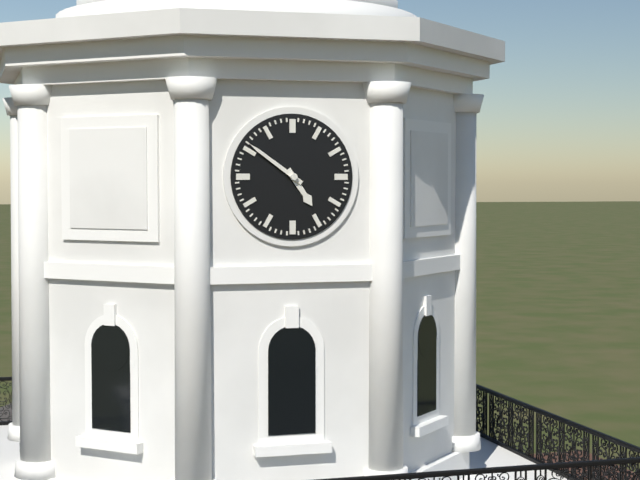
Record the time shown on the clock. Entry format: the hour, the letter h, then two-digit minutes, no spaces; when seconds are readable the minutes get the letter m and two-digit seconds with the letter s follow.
4h51
